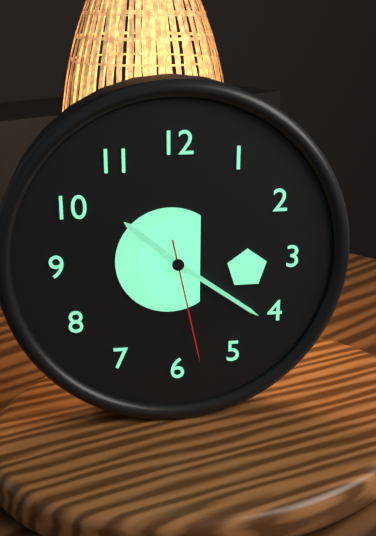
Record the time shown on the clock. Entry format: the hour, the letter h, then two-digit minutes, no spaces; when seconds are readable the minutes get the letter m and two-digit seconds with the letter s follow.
10h21m28s
